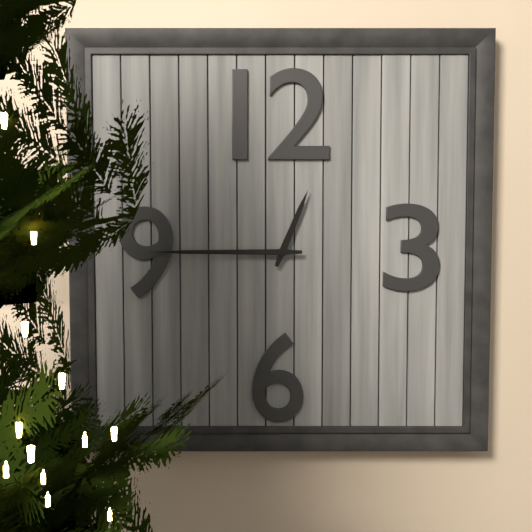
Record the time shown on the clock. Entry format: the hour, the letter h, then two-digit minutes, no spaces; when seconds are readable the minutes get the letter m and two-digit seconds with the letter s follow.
12h45
